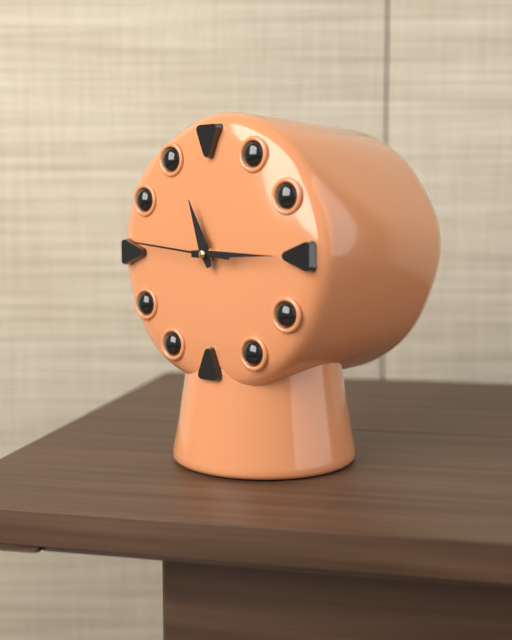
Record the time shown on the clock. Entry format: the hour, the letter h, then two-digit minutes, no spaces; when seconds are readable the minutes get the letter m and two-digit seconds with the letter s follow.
11h15m46s
